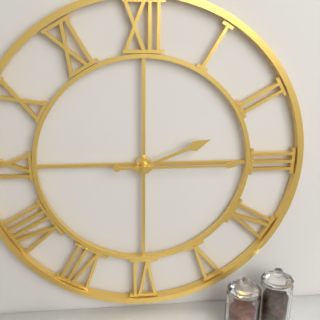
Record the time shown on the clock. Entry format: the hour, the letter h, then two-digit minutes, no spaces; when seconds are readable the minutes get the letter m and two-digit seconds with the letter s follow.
2h15
